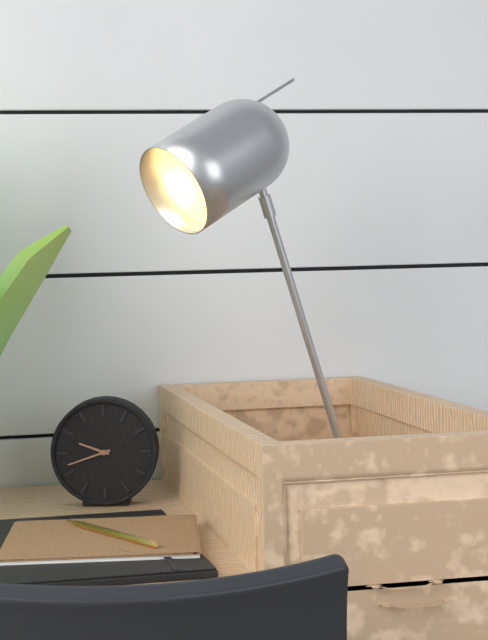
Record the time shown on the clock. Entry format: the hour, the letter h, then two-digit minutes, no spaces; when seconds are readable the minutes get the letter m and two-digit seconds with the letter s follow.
9h42
